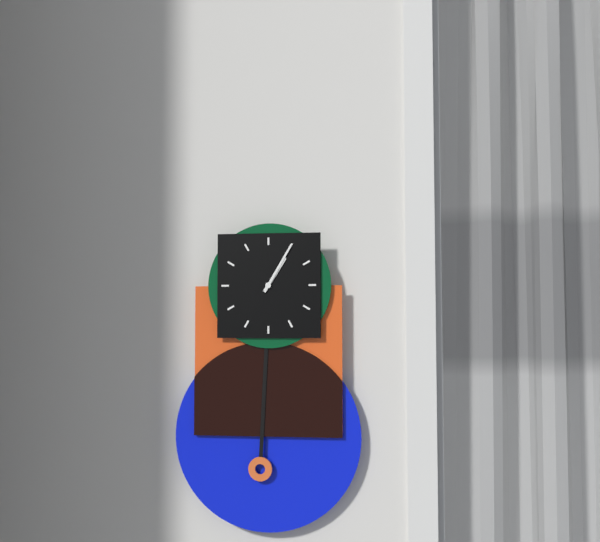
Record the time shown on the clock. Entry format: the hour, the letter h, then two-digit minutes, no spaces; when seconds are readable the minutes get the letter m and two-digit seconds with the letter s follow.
1h05
